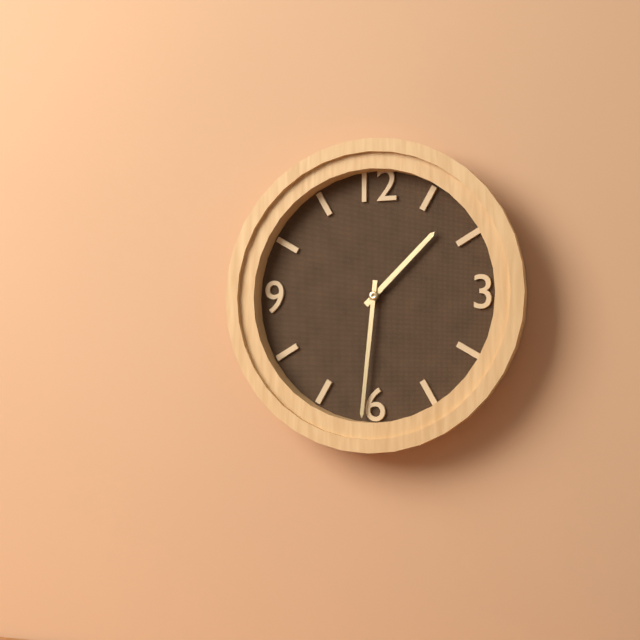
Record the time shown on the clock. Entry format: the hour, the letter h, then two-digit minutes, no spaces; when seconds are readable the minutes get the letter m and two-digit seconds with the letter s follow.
1h31
